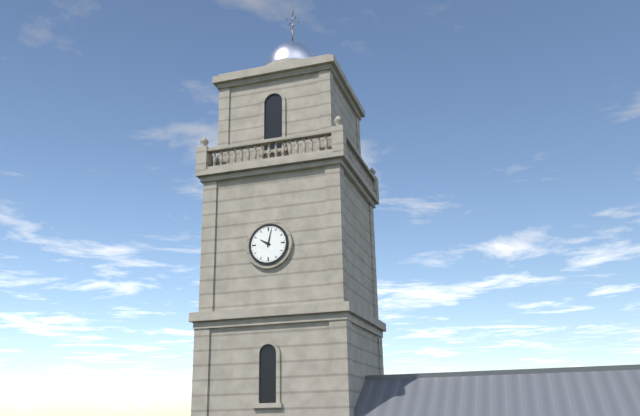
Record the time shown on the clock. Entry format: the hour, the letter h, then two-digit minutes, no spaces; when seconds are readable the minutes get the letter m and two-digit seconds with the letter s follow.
10h02
